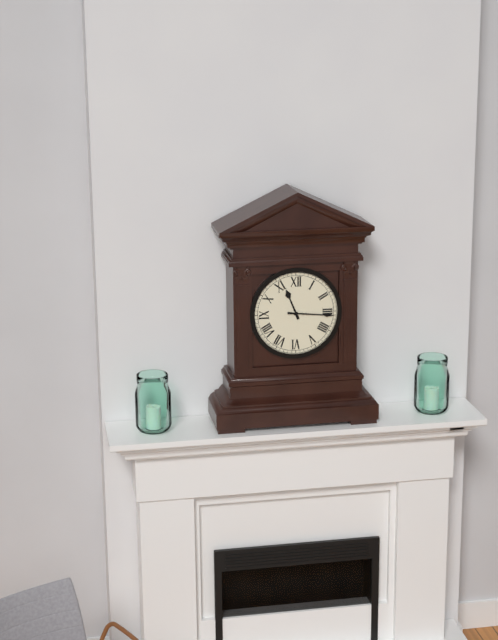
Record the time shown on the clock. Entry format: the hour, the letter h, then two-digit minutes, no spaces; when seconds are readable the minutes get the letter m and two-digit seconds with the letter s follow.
11h16
